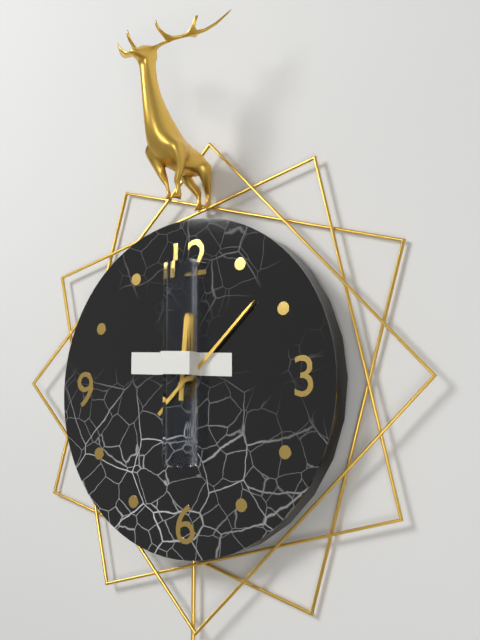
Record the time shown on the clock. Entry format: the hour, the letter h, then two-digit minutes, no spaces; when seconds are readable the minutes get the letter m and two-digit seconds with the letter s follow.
12h08
